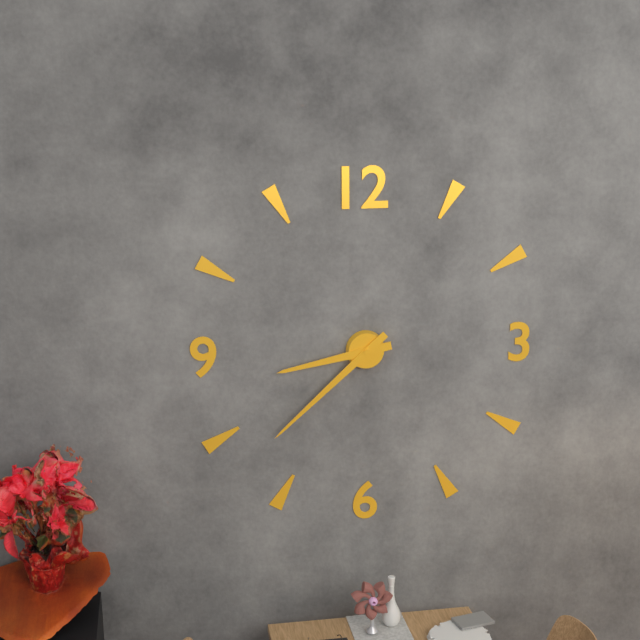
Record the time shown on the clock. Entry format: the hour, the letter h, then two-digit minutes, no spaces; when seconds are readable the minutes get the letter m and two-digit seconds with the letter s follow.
8h38
